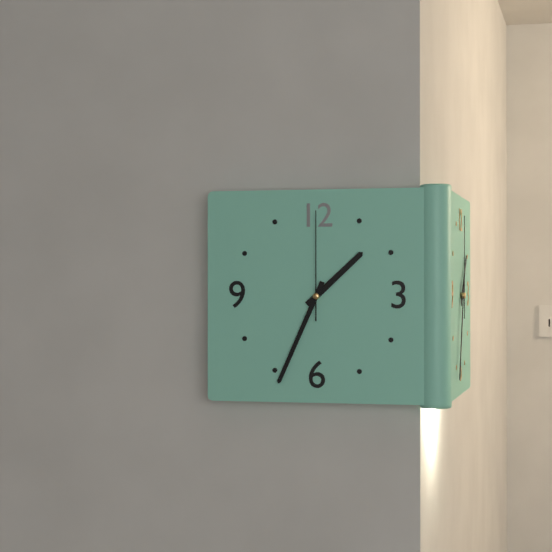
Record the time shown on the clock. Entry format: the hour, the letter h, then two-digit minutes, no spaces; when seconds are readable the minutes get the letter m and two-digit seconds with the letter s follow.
1h34m00s
